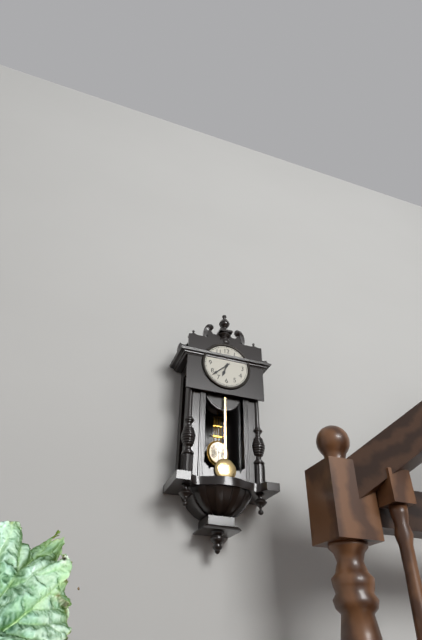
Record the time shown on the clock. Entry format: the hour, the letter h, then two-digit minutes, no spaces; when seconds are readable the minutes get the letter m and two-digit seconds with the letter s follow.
6h38
